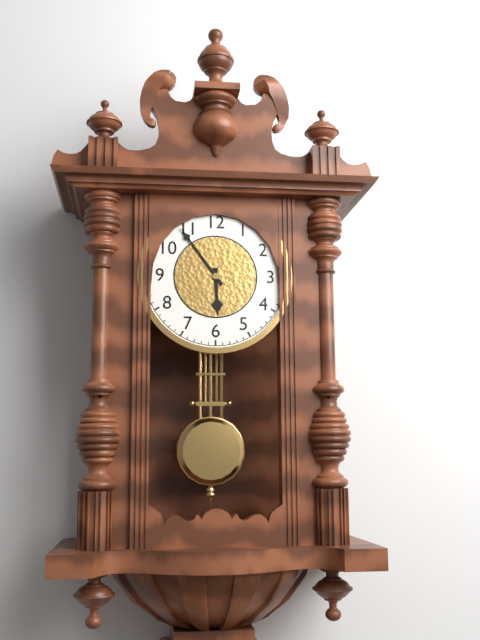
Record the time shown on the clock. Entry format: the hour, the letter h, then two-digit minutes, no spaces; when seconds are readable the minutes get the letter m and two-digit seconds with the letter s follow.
5h54
